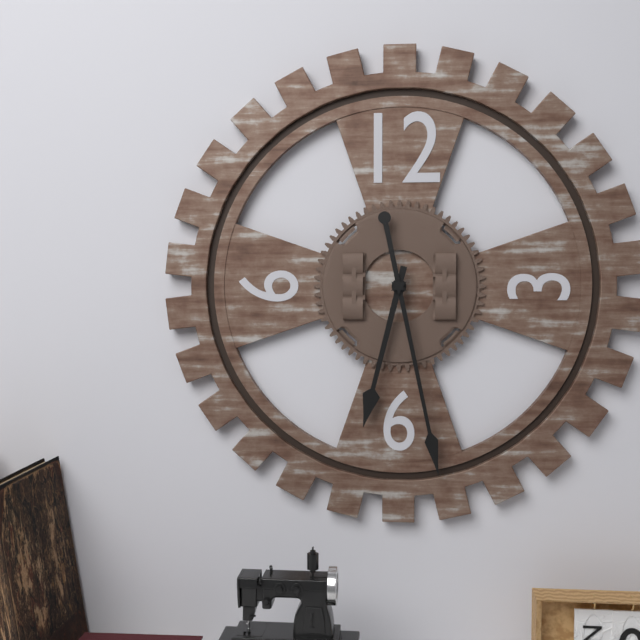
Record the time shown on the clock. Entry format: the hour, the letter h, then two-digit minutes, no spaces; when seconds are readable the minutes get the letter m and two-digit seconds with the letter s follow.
6h28
